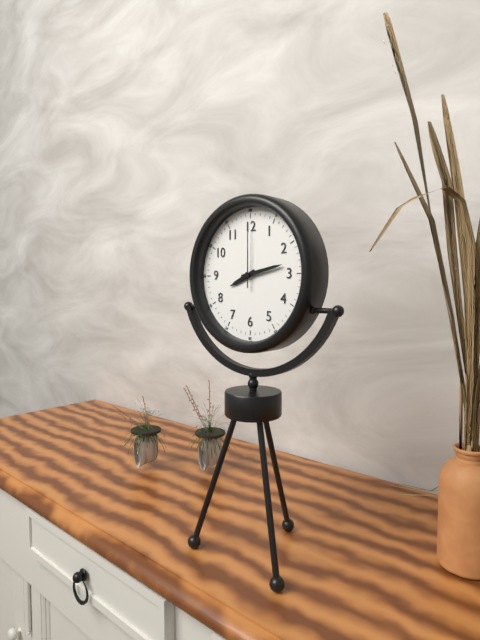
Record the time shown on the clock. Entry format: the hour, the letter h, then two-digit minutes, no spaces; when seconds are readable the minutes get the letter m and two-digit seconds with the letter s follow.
8h13m00s
